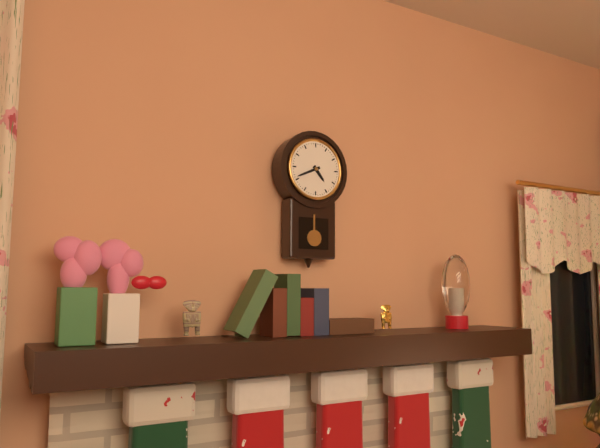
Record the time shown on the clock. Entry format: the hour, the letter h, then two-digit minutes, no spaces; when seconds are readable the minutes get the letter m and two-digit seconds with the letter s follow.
4h41
